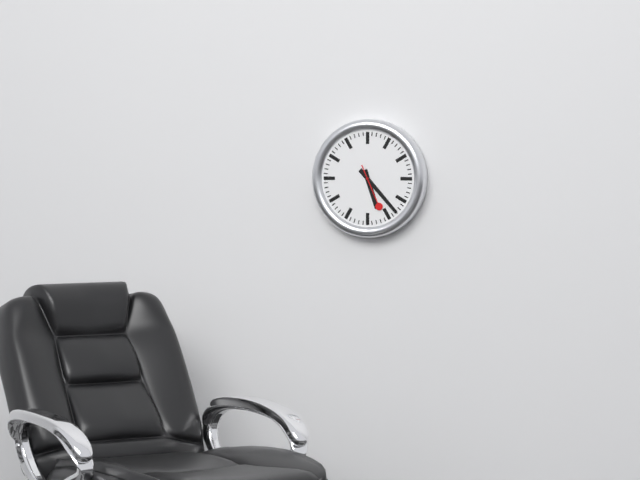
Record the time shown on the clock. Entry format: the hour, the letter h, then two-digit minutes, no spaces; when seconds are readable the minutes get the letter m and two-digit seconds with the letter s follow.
5h23
